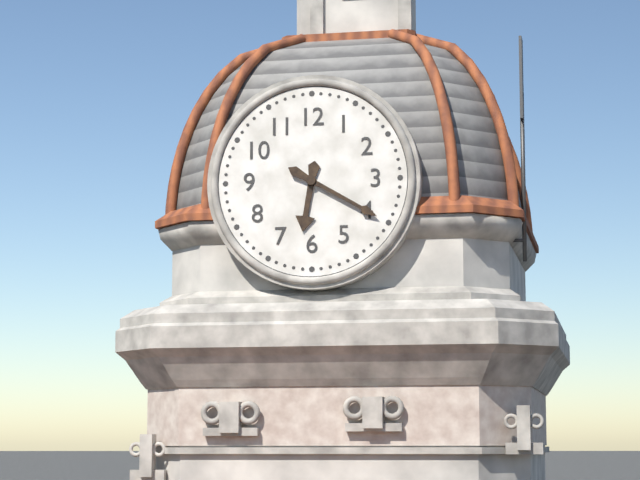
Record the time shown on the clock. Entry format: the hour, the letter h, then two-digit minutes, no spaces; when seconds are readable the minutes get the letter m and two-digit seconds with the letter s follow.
6h20
